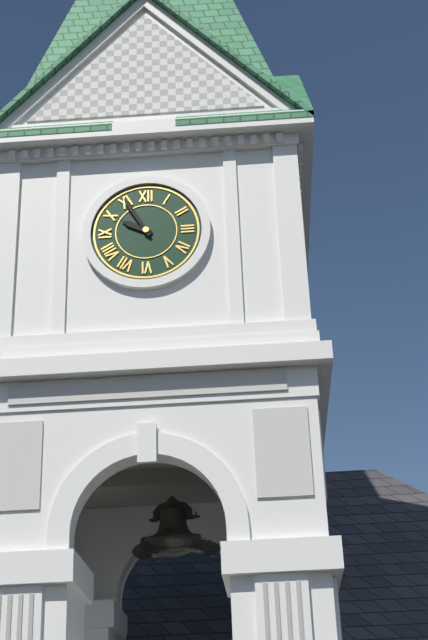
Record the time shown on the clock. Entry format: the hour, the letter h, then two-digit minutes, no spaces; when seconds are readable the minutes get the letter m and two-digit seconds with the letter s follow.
9h55
